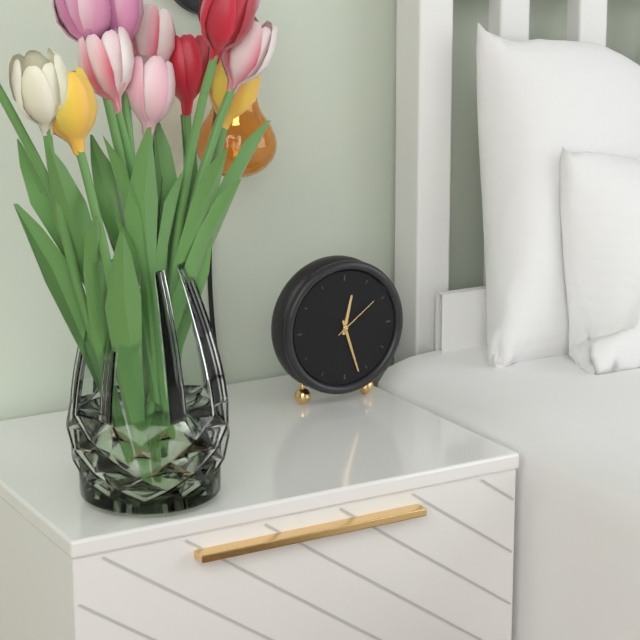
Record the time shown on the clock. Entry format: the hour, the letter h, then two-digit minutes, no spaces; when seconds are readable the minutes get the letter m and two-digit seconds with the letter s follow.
12h27
